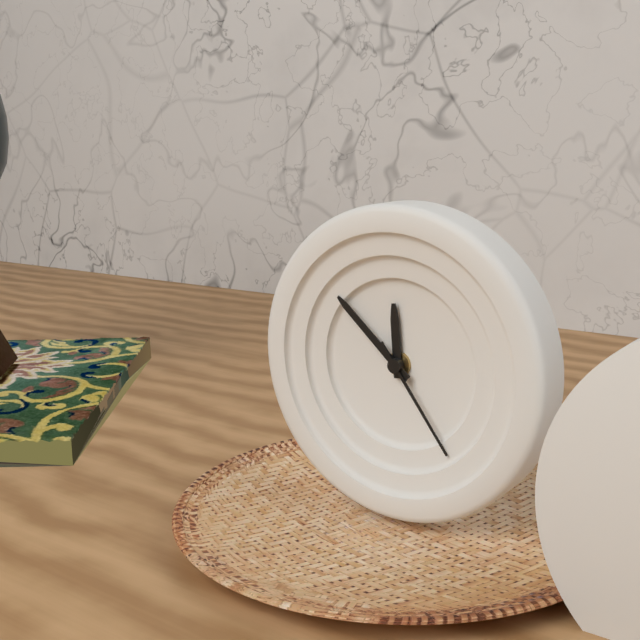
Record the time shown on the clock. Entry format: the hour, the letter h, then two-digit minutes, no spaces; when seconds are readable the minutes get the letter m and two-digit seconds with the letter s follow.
11h52m24s
